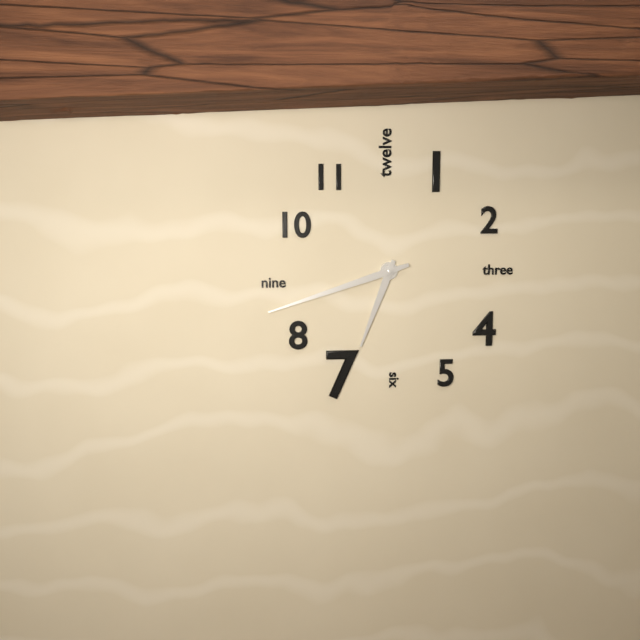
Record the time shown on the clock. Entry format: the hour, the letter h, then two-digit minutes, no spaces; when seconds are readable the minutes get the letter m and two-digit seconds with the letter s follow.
6h42
